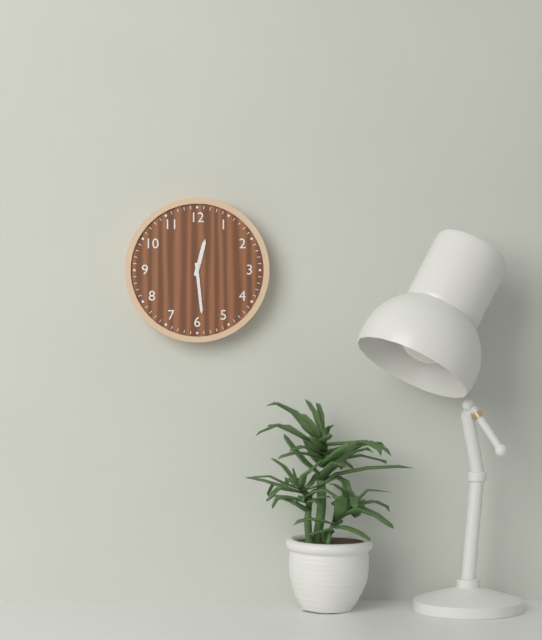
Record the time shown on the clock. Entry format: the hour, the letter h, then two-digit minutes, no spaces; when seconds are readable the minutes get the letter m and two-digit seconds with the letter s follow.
12h29
